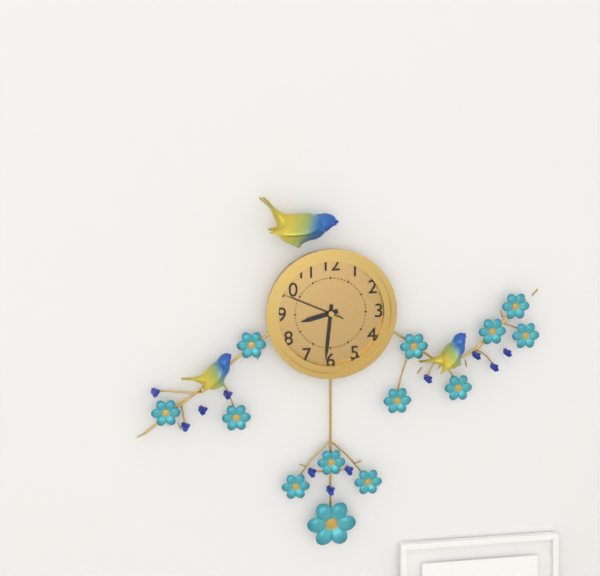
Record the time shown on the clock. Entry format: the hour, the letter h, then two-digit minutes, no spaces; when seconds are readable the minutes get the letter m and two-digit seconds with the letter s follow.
8h31m49s
